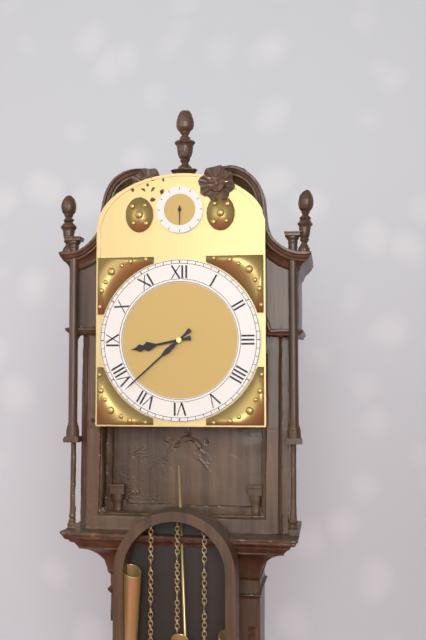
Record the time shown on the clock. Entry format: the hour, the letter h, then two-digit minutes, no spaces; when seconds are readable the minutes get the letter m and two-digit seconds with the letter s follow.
8h38
